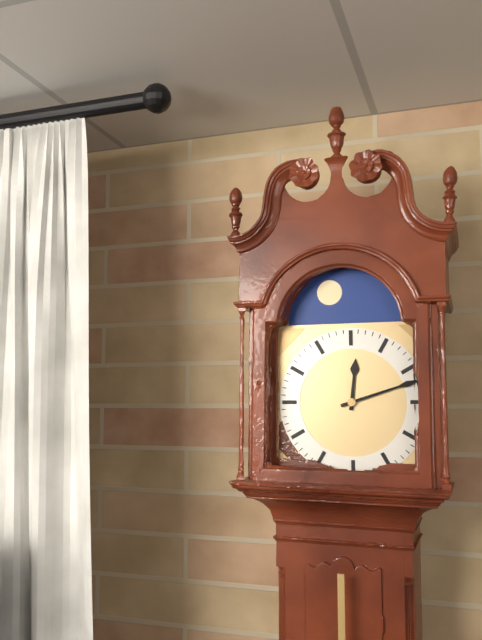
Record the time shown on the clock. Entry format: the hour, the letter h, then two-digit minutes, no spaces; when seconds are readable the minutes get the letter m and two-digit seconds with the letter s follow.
12h12
